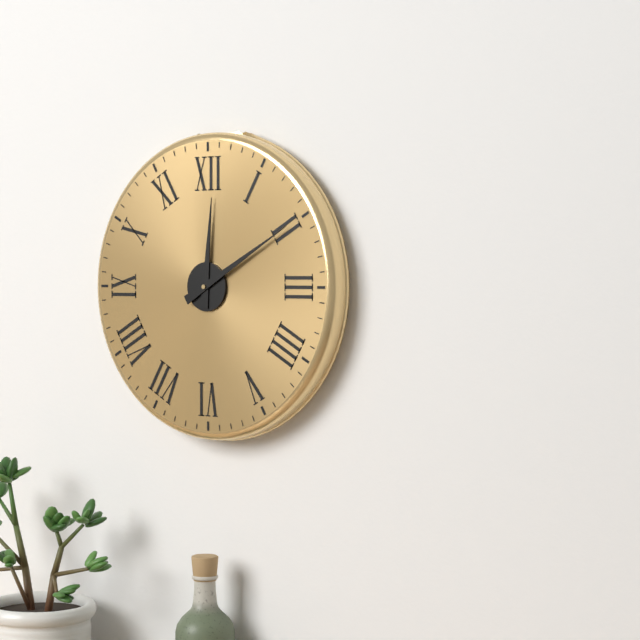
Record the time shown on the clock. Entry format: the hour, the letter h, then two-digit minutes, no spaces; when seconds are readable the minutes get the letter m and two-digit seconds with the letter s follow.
12h10
